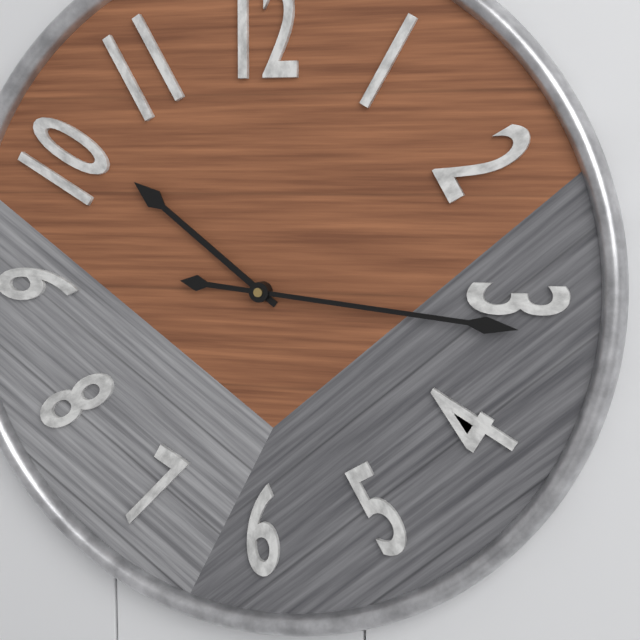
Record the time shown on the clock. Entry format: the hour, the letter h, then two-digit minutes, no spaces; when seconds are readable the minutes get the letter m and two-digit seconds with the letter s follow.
10h16
